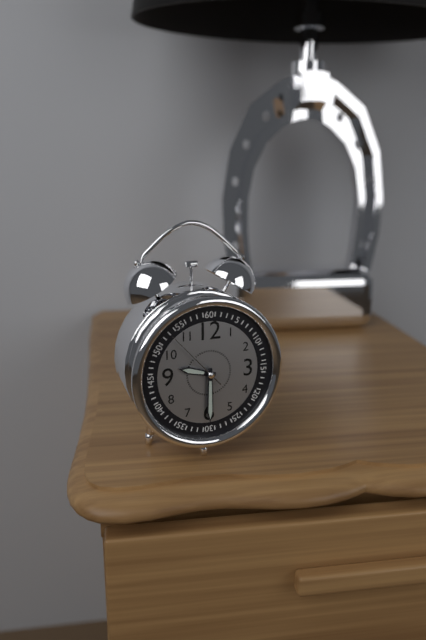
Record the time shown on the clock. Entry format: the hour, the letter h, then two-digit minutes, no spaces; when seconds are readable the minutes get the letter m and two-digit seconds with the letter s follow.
9h30m53s
